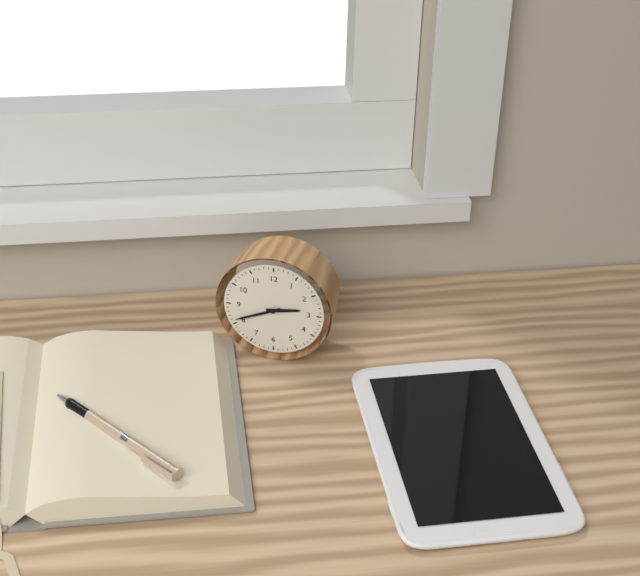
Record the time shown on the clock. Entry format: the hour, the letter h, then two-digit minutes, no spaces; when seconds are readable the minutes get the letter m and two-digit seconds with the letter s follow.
2h41
